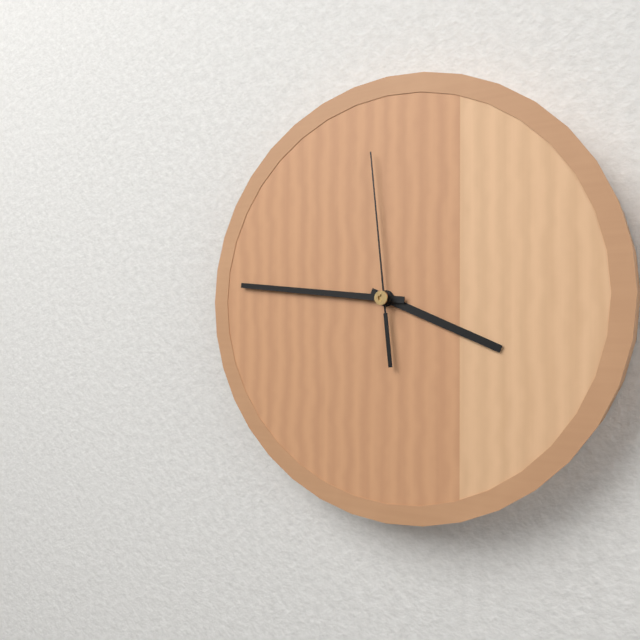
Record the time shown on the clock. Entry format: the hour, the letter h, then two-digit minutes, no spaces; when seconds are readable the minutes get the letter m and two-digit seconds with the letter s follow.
3h46m59s
